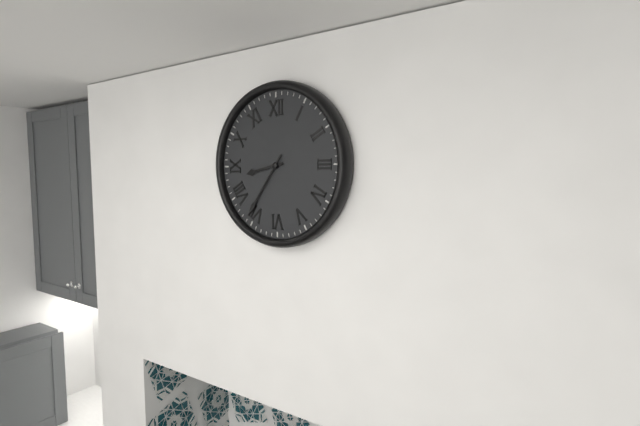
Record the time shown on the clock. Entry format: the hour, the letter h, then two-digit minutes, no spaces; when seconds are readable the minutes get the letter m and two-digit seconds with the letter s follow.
8h36
